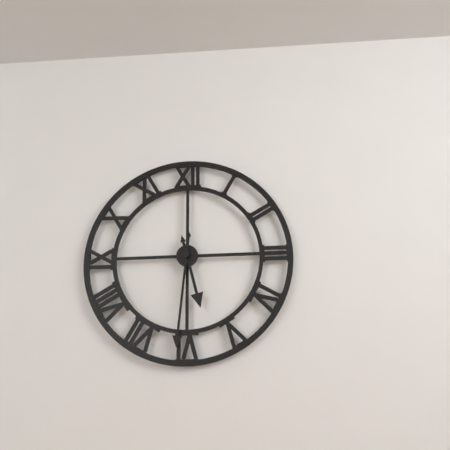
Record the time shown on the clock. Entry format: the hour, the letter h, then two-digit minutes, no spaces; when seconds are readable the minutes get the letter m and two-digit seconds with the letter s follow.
5h31
